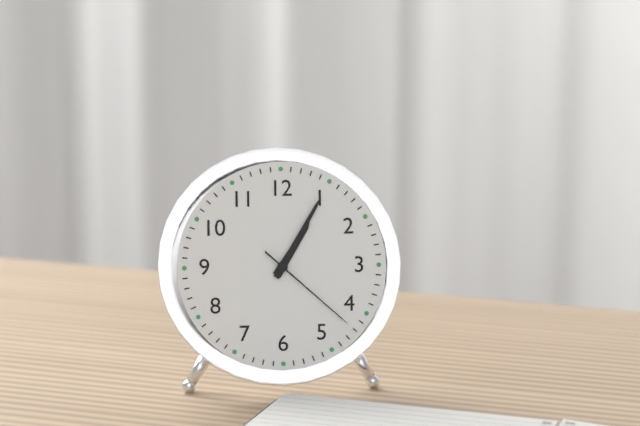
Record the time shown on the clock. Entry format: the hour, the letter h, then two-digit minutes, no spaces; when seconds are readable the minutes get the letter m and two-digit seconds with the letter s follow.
1h05m22s
